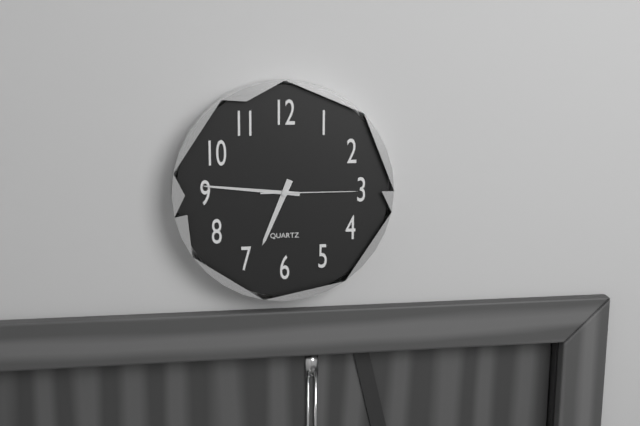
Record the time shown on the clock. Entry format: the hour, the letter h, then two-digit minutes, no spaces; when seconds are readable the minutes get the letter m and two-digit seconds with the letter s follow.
6h46m15s
